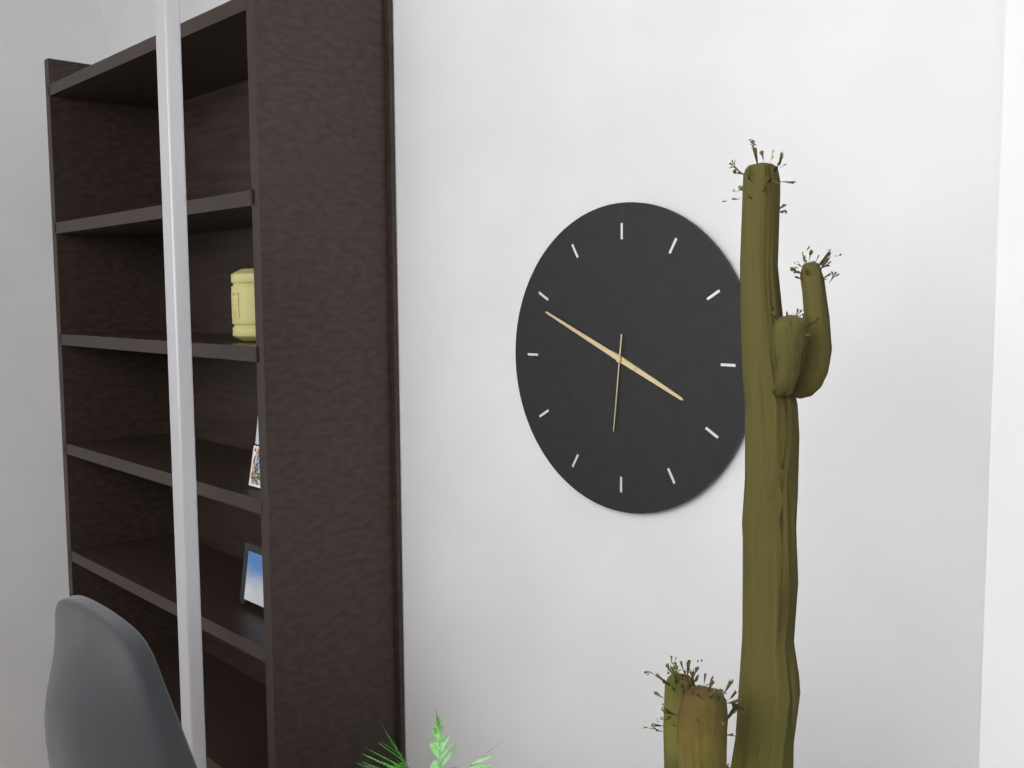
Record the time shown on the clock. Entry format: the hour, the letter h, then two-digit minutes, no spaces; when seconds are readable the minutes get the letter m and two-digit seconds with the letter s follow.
3h49m31s
